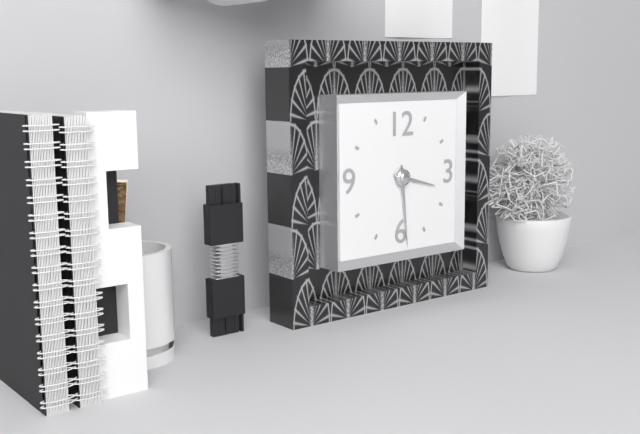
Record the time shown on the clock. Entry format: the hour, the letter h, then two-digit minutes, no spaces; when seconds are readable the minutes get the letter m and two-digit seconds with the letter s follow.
3h29
